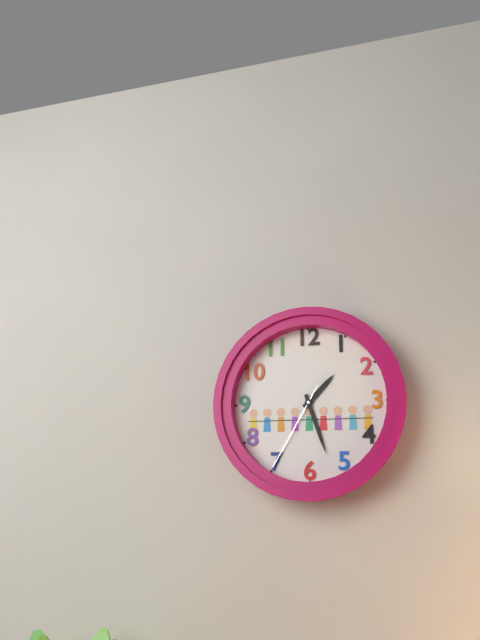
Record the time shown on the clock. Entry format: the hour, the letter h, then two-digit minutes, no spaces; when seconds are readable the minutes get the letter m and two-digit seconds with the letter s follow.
1h27m35s
